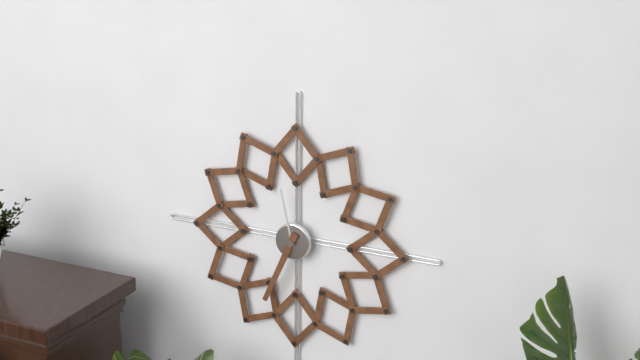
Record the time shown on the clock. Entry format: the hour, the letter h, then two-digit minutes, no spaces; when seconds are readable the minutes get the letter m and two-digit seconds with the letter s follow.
11h34
